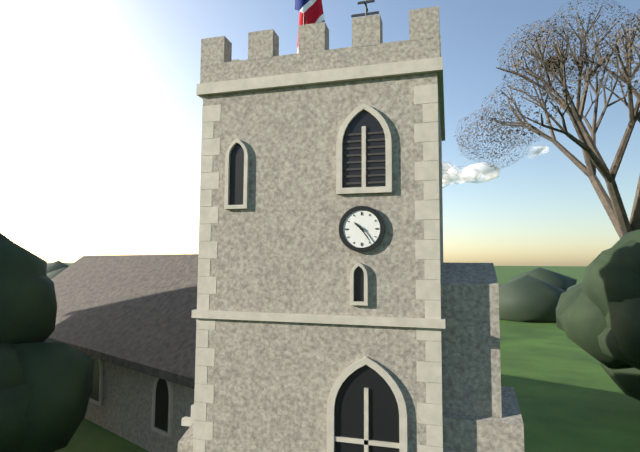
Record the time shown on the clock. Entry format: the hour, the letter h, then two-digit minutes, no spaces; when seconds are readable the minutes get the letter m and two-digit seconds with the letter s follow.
10h24
